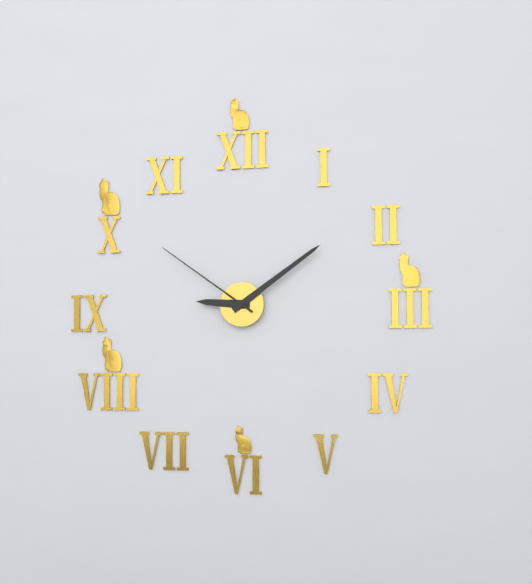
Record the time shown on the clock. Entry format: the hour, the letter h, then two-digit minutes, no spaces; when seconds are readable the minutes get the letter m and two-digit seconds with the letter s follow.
9h09m51s
